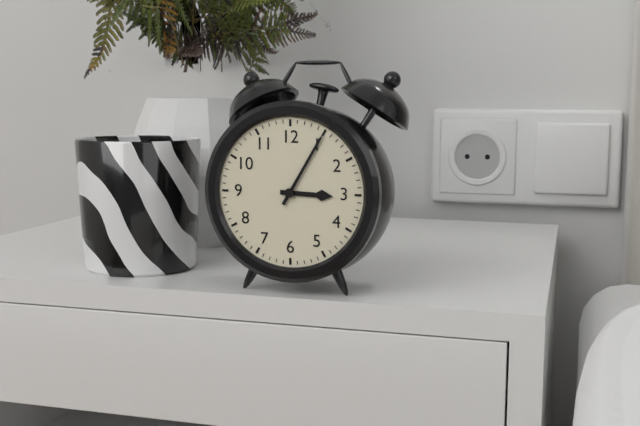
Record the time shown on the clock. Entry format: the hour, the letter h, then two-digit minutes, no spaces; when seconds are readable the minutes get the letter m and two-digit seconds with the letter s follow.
3h05
